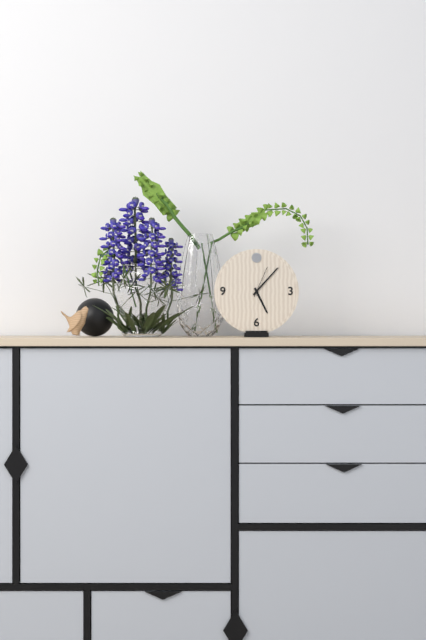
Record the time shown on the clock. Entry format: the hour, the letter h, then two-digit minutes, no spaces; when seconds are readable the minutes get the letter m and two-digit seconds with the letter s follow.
5h07
